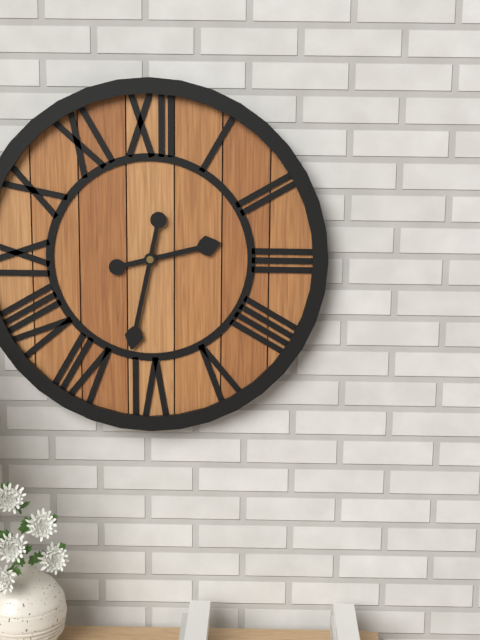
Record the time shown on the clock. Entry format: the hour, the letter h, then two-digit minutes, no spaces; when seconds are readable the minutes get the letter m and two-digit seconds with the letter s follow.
2h32
